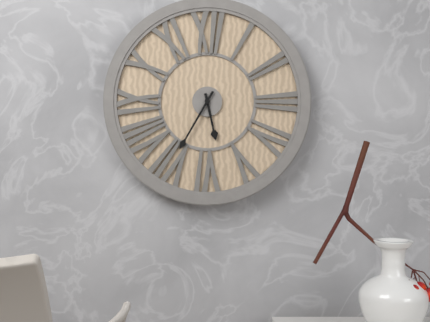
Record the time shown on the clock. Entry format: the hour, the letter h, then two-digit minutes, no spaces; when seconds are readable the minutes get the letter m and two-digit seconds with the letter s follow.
5h35
